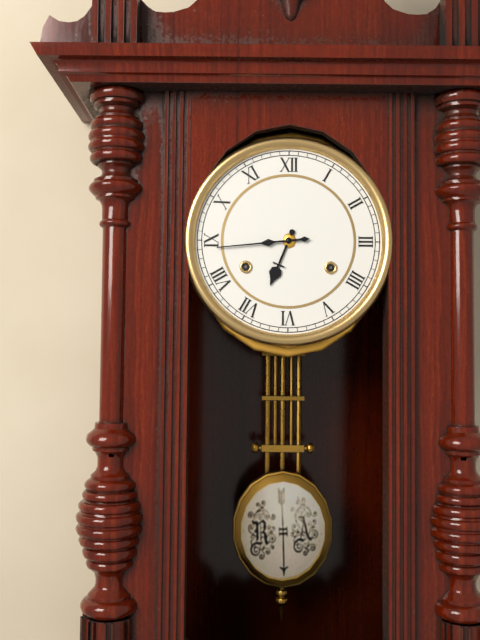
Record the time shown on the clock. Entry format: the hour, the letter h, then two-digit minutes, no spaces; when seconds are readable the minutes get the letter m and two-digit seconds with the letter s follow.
6h44
